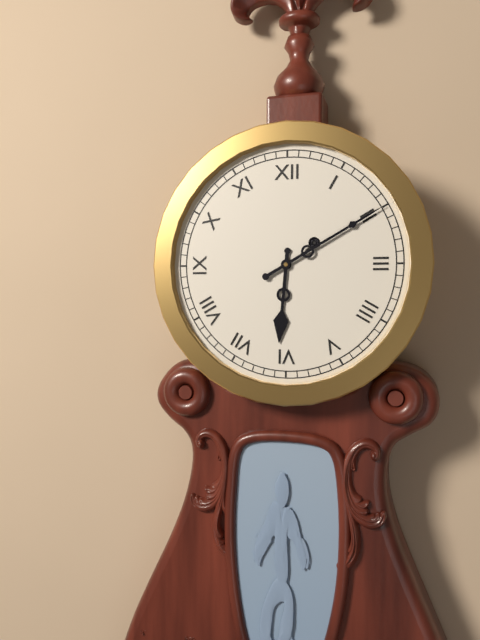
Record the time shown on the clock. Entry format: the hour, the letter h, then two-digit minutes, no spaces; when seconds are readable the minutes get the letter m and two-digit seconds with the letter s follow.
6h10
